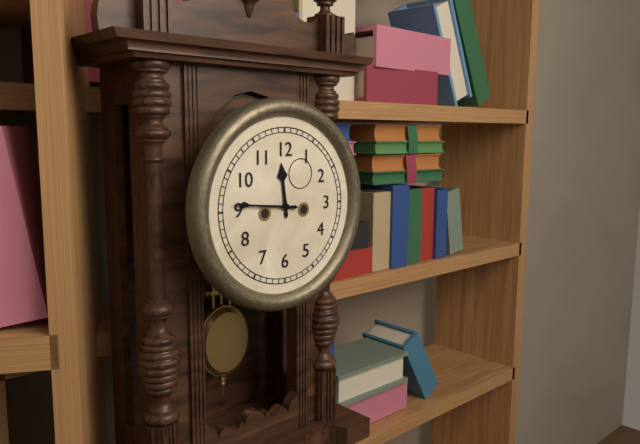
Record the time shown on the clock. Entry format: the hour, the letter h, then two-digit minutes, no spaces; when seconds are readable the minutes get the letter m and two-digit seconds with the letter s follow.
11h46
